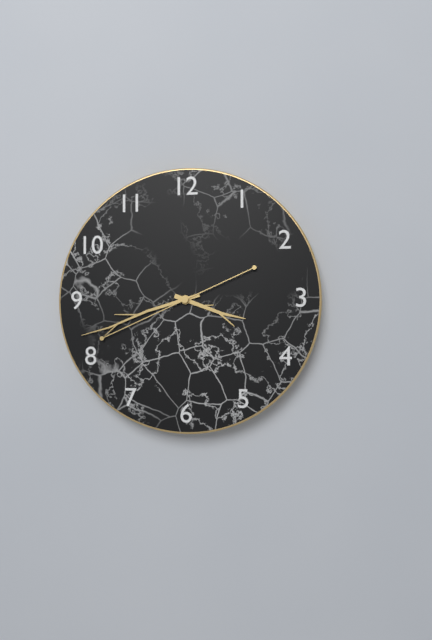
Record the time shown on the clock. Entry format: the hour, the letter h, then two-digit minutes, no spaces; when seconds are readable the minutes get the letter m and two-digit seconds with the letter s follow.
3h42m41s
